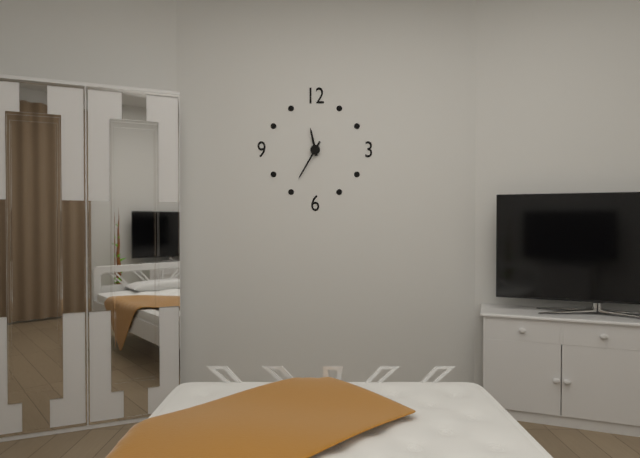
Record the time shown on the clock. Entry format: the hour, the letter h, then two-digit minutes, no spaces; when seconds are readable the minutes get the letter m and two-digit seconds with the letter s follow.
11h35
